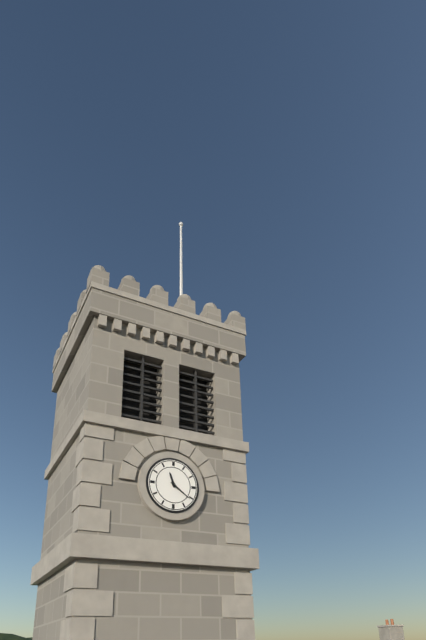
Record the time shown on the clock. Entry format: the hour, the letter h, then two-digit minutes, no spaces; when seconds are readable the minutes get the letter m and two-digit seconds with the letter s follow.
11h21
